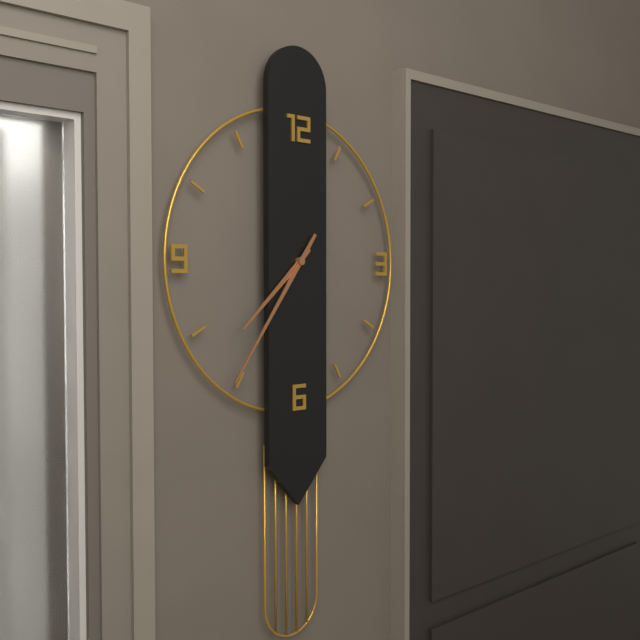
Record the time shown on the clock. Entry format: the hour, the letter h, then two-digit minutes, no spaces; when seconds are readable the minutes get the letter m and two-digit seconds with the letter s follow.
7h36
